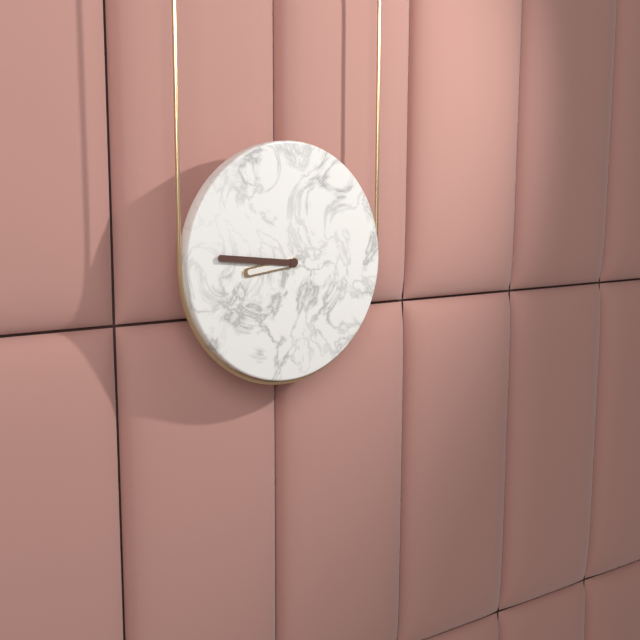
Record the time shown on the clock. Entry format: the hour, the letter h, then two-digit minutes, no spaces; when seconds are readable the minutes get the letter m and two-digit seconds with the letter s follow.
8h46
